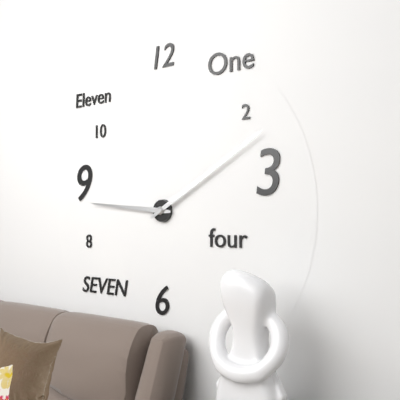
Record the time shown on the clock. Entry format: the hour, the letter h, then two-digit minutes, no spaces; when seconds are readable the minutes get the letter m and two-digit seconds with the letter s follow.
9h10
